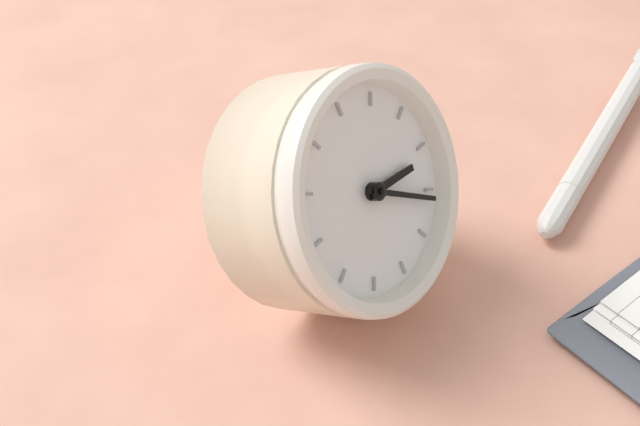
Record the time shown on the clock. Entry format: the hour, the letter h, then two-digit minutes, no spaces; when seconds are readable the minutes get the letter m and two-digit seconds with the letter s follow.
2h16
